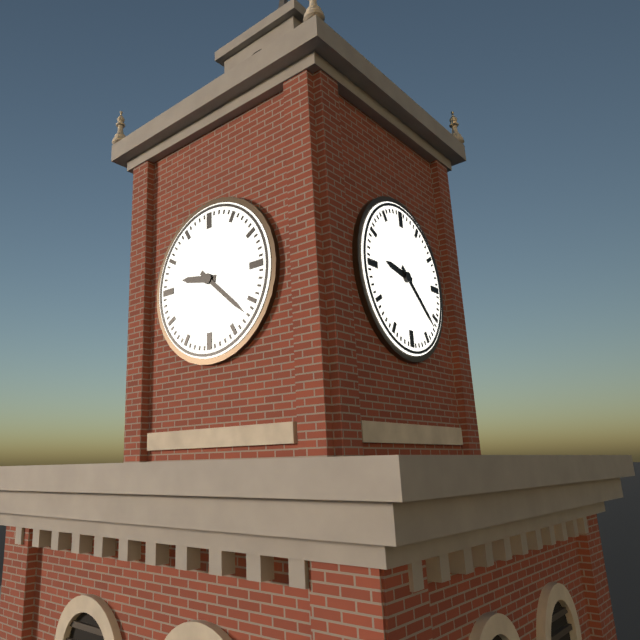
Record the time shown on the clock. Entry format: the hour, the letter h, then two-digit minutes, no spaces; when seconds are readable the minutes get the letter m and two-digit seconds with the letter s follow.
9h22
